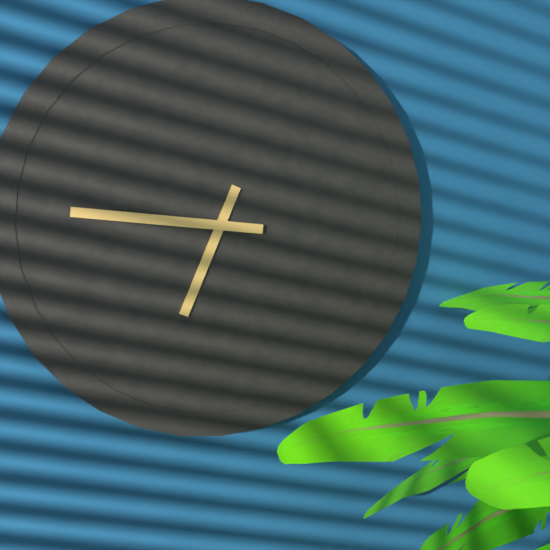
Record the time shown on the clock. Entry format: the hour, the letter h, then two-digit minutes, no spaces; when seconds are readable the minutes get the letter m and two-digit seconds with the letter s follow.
6h46
